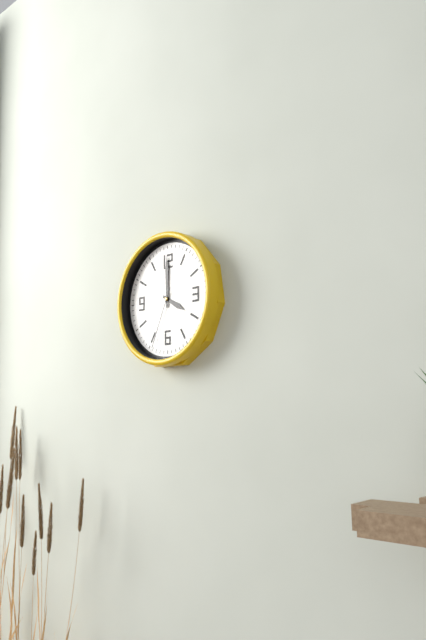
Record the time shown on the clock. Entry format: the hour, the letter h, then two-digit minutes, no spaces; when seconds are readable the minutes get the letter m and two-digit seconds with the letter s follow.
4h00m34s
